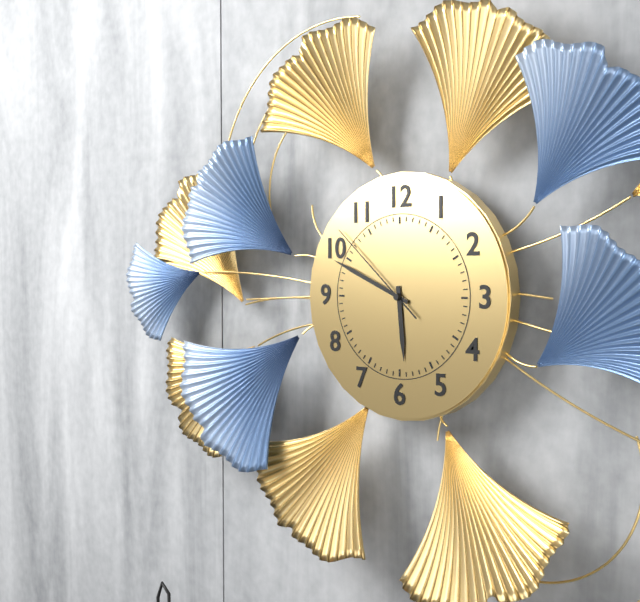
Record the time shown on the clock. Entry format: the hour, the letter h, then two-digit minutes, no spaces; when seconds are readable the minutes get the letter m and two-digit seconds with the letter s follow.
5h49m52s
